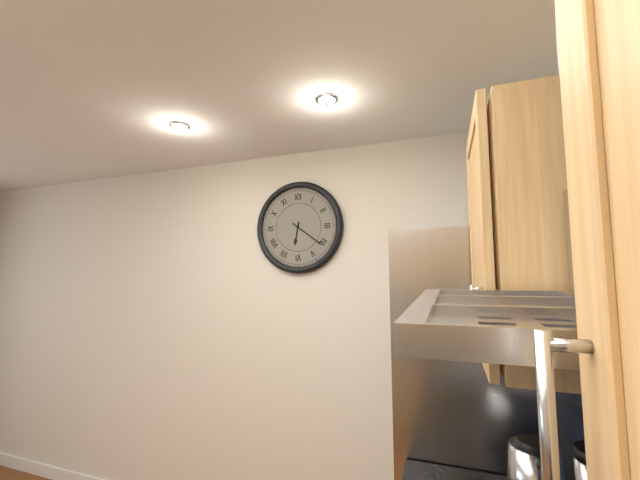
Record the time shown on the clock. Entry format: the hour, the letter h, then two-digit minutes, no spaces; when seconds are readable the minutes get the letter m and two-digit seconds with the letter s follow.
6h21
